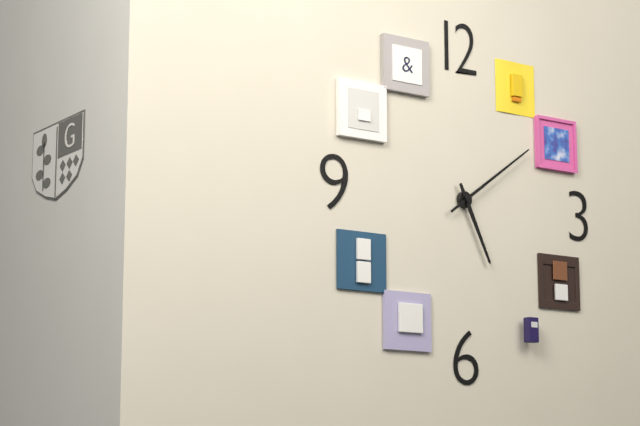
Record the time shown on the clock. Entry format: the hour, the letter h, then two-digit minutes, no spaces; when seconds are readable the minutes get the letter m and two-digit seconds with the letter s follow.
5h09
